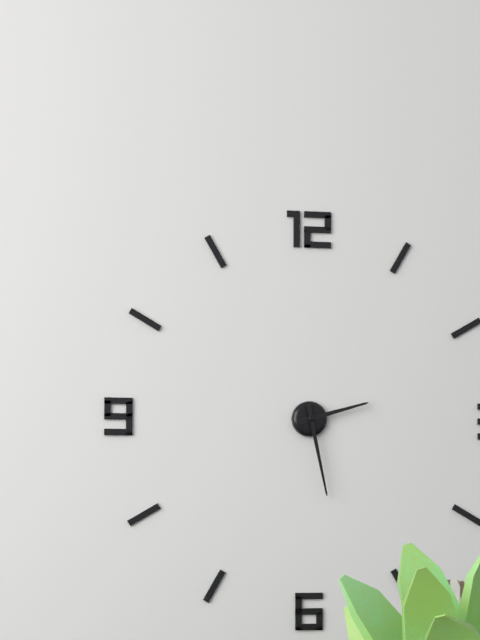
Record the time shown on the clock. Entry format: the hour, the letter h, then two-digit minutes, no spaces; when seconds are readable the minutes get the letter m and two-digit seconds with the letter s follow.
2h28
